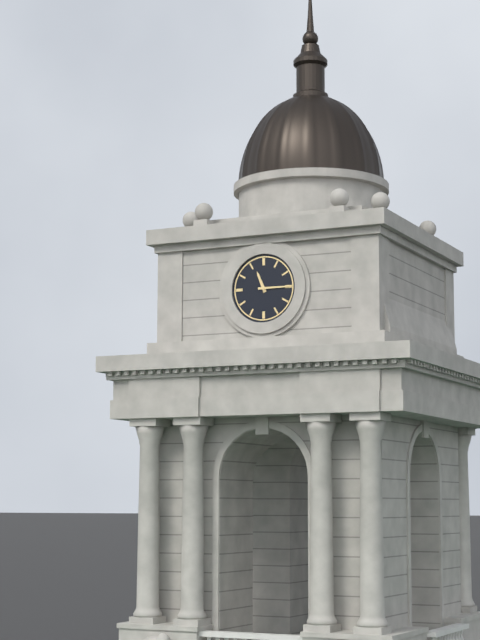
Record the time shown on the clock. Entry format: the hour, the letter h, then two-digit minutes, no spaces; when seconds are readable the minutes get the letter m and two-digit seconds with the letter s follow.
11h15
